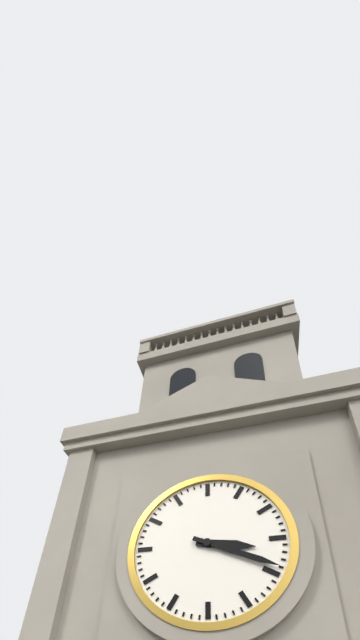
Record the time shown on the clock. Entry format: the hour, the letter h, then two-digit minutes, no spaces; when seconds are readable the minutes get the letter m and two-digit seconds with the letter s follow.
3h19
